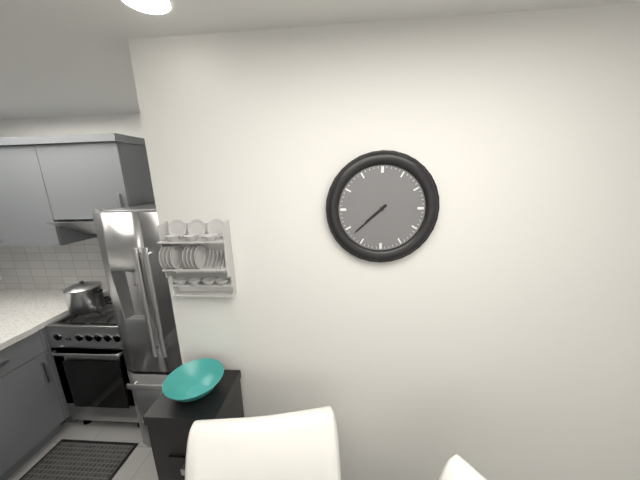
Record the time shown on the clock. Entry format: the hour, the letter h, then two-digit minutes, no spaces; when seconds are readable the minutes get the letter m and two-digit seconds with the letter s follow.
7h38
